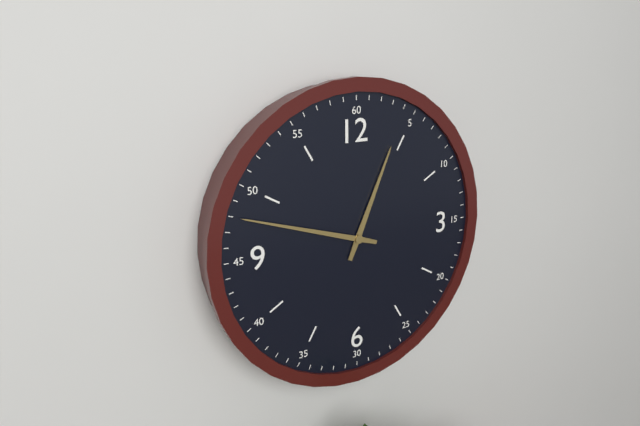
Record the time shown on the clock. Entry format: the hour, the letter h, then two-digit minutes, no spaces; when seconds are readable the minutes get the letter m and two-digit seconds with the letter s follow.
12h48
